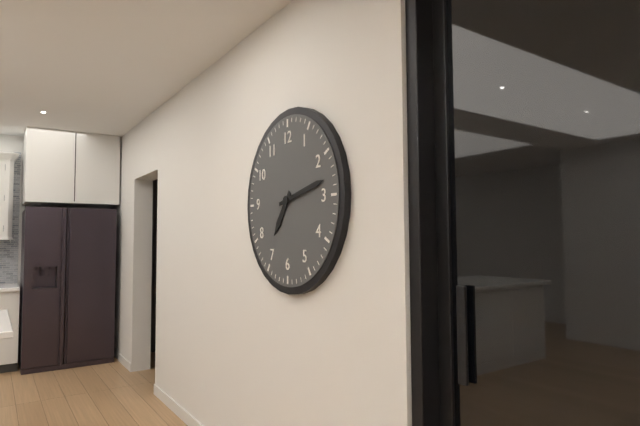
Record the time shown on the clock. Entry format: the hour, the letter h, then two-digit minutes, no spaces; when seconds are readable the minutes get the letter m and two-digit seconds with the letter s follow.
7h13
